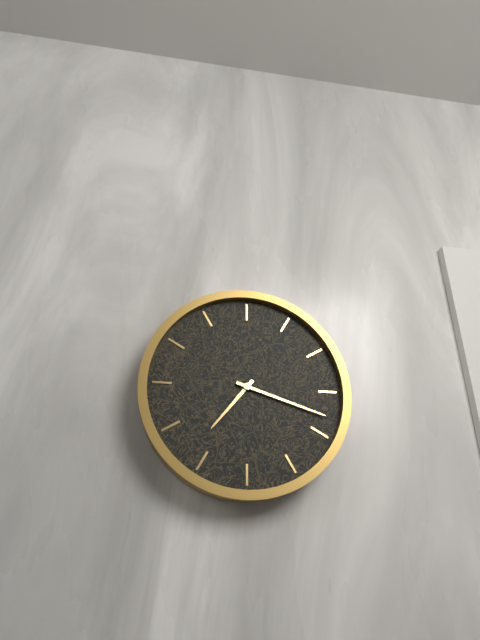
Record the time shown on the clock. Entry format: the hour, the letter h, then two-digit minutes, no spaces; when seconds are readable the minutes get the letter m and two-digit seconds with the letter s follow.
7h18
